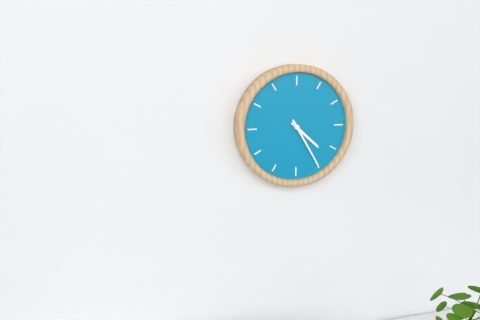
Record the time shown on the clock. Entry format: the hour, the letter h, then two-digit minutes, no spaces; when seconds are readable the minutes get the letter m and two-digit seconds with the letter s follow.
4h25
